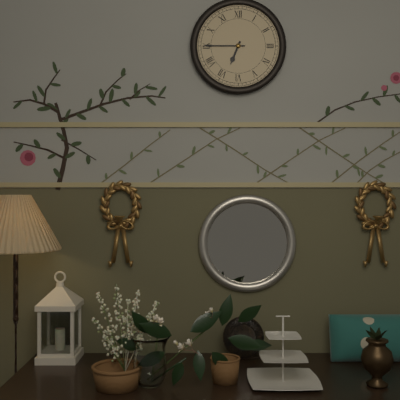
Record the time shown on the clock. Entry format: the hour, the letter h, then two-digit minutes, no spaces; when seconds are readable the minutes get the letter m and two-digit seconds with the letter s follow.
6h45
